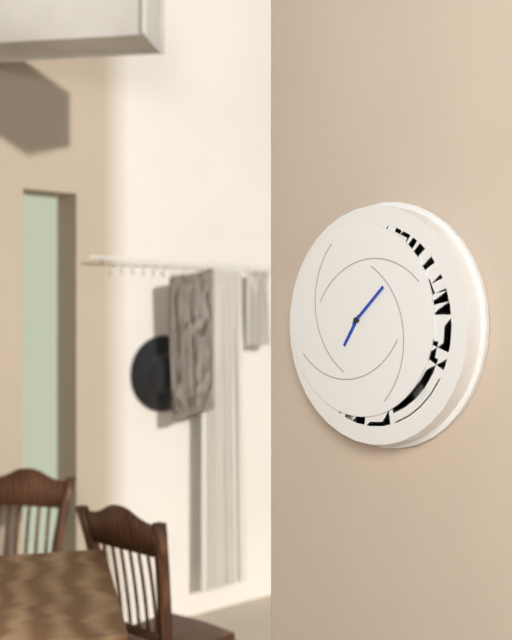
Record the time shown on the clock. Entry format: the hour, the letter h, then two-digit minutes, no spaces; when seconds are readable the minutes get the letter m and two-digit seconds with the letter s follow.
7h08
